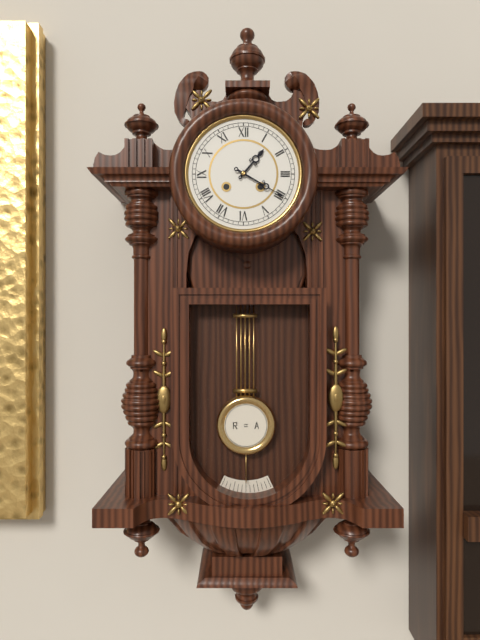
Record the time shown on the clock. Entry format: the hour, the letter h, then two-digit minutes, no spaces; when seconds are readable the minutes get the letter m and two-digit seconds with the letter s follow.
1h20
